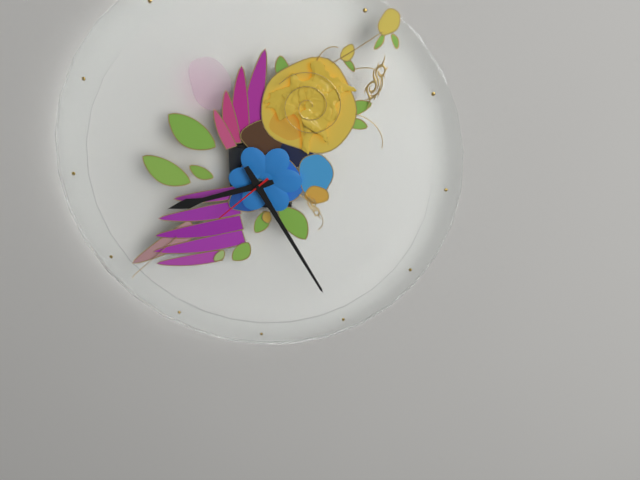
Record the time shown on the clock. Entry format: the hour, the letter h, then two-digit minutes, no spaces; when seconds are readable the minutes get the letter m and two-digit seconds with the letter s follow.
8h25m38s
